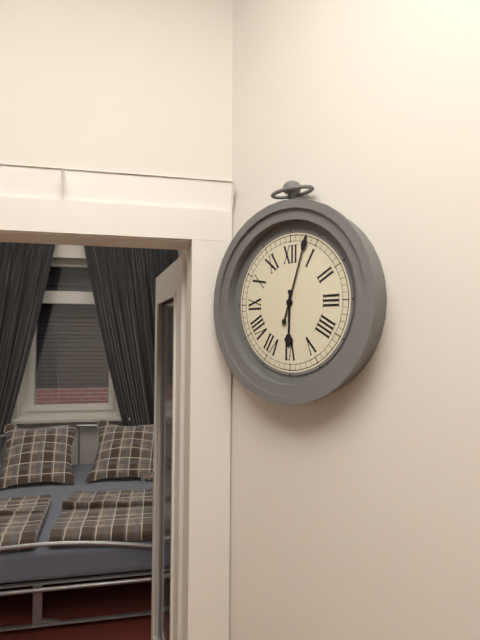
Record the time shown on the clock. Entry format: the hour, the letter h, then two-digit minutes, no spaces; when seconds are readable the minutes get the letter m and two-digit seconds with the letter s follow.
6h03
